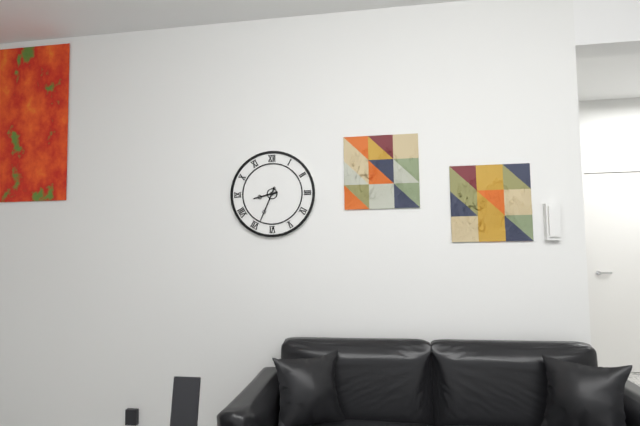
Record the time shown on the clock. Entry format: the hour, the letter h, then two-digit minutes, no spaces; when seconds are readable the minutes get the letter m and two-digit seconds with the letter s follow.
8h34
